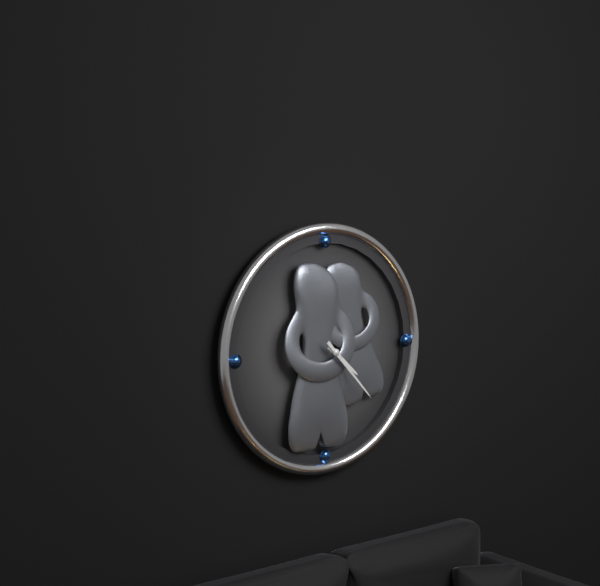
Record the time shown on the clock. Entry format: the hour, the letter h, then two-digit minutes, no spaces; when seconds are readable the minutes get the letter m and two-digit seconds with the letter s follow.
4h23
